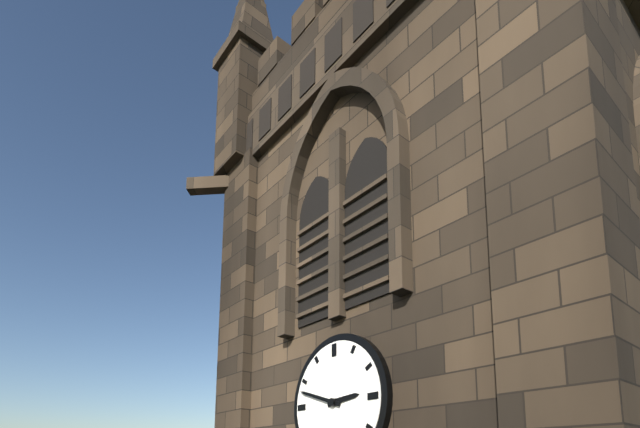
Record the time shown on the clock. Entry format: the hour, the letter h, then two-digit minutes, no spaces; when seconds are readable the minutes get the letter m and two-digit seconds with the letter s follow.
2h48
